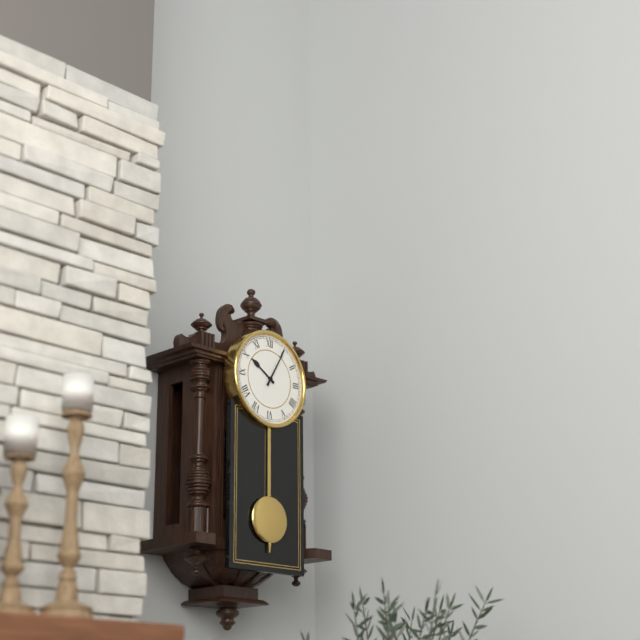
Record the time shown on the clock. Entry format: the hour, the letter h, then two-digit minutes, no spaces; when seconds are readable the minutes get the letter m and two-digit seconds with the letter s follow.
10h05
